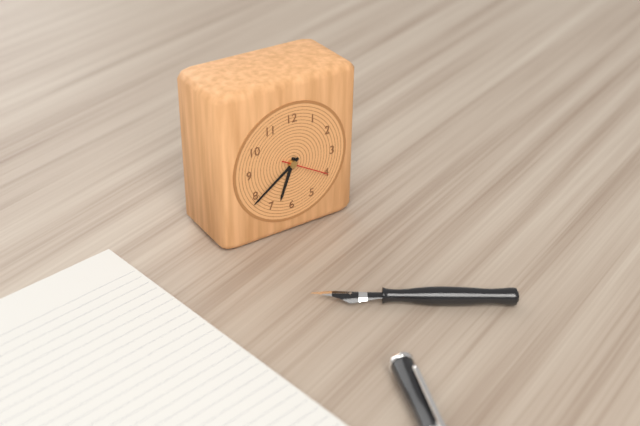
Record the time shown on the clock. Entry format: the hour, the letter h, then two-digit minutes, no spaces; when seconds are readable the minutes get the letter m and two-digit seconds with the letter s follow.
6h39m20s
